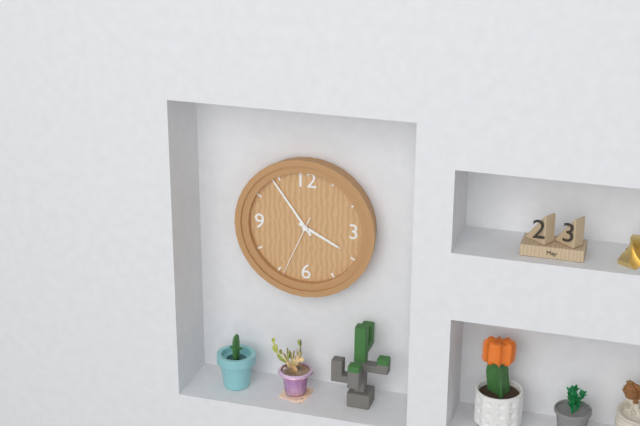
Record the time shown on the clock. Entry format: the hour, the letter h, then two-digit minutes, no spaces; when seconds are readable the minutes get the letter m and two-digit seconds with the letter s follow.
3h54m34s
